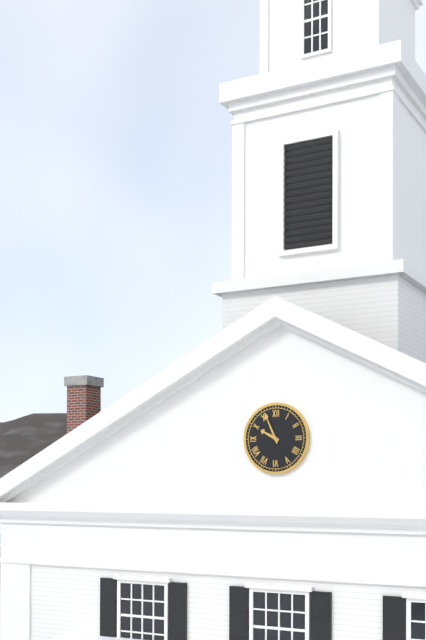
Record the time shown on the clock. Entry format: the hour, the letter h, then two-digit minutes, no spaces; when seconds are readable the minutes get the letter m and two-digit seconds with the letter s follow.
9h56
